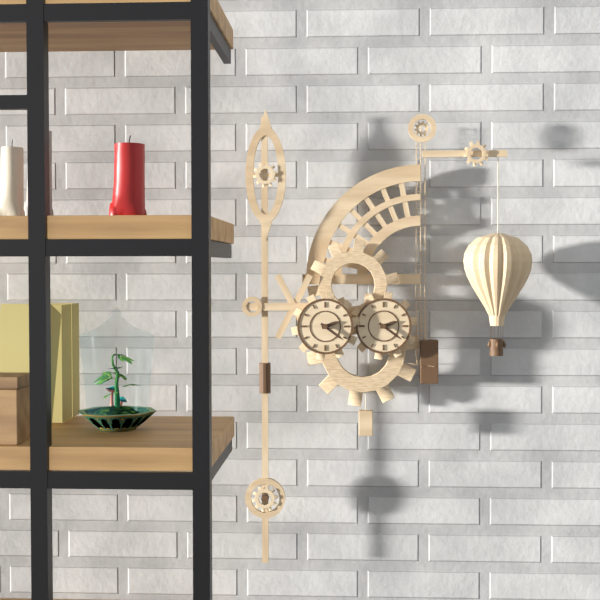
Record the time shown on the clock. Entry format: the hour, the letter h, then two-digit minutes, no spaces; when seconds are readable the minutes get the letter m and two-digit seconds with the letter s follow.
2h21
